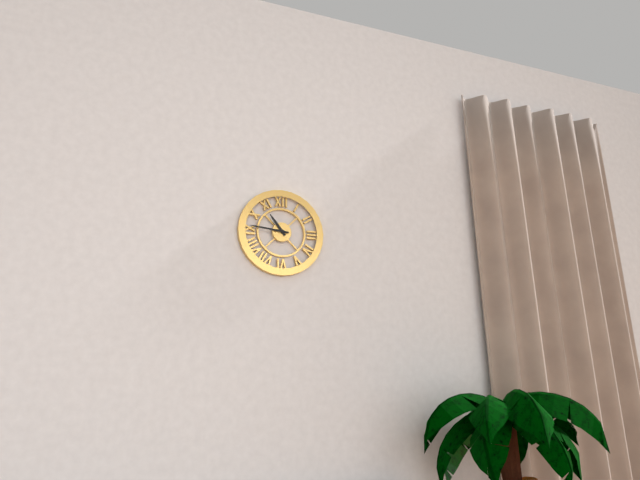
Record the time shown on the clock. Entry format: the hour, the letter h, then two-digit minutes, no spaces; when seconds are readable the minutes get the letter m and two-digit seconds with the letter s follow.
10h46
